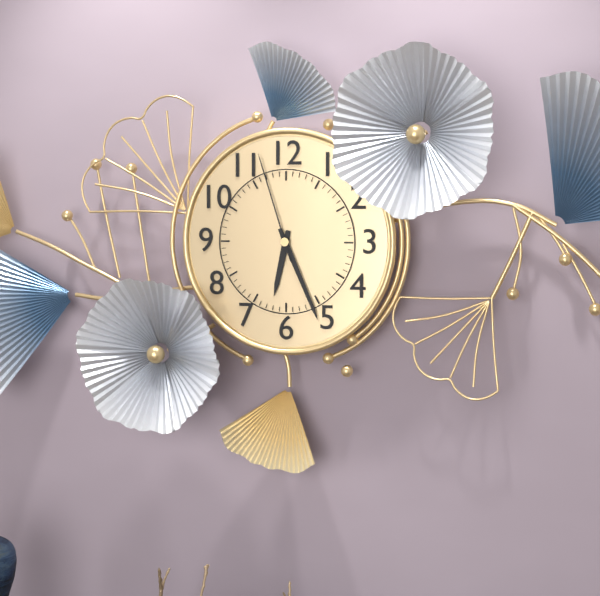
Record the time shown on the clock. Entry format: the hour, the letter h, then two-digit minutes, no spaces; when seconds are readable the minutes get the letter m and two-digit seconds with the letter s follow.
6h26m57s
